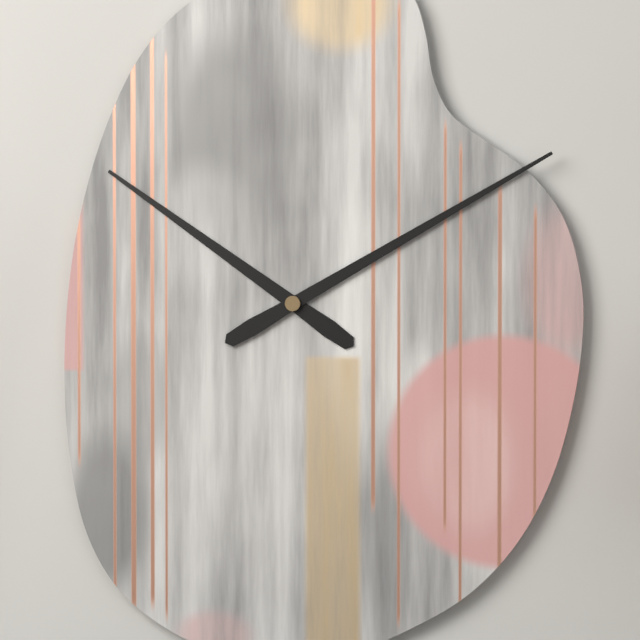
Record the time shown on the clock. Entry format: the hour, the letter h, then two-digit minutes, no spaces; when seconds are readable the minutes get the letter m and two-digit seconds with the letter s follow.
10h10
